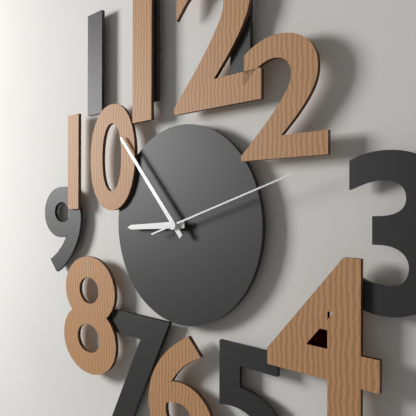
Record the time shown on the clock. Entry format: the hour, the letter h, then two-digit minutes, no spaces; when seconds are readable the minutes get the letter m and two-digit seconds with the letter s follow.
8h53m12s
